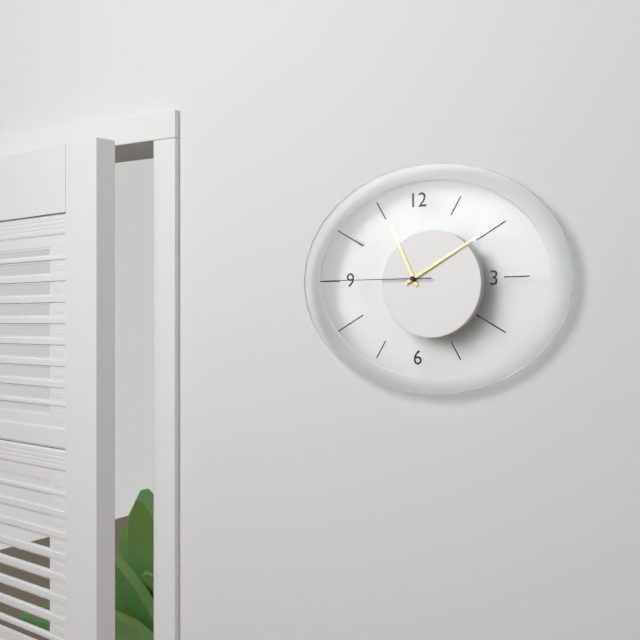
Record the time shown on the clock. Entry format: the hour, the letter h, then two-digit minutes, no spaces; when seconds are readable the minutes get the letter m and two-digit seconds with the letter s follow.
11h10m45s
